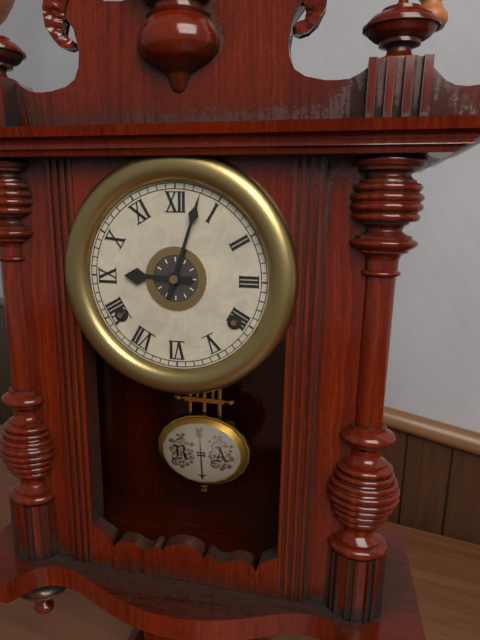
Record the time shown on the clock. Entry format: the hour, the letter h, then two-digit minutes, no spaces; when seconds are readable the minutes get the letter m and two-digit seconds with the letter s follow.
9h03
